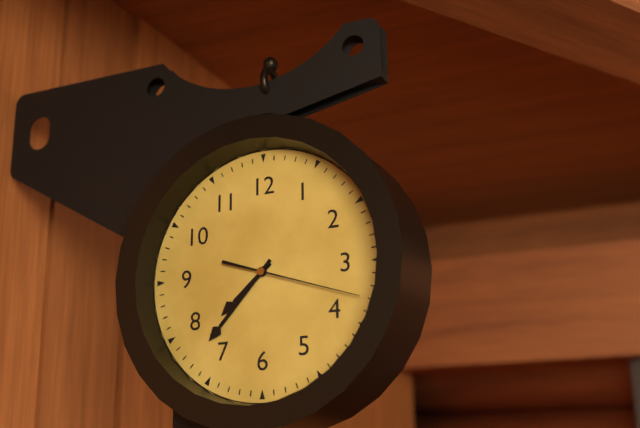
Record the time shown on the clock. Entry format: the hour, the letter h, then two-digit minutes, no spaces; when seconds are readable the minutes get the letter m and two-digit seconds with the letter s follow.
7h37m18s
